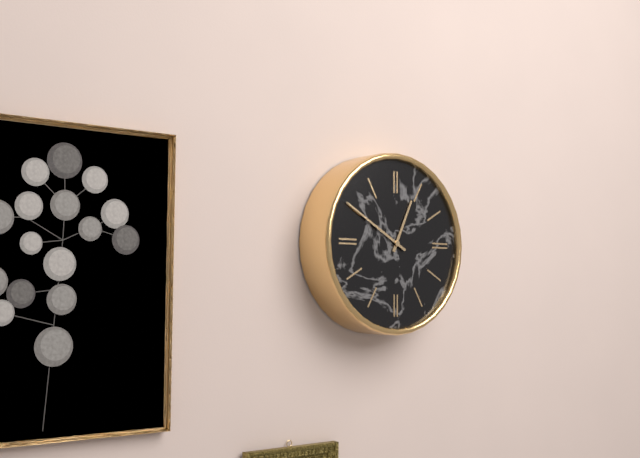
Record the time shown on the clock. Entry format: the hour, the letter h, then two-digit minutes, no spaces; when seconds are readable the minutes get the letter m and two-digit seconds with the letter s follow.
12h50
